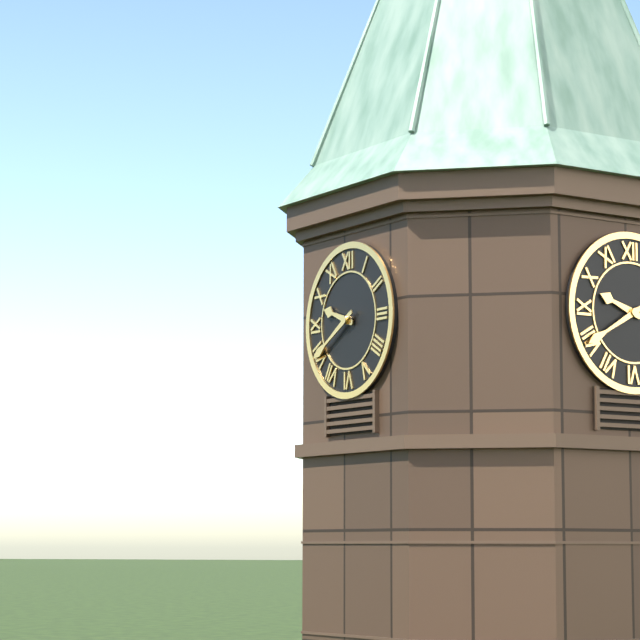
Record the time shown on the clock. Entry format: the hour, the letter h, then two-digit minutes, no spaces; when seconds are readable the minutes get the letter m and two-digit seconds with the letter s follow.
9h40
